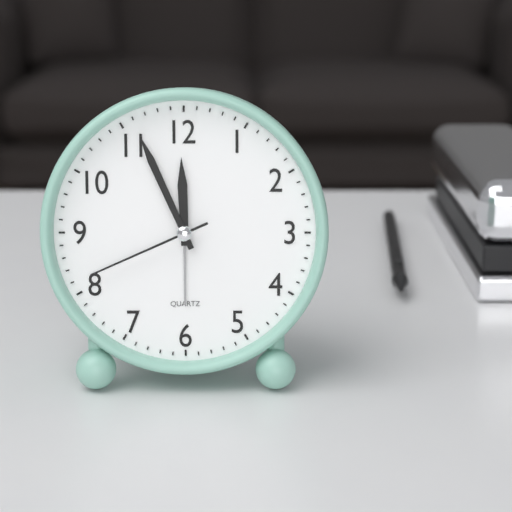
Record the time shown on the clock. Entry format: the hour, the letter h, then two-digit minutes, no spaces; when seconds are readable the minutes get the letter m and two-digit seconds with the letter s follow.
11h56m41s
